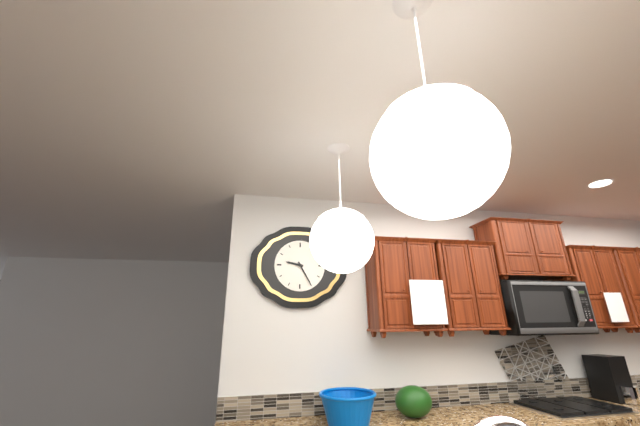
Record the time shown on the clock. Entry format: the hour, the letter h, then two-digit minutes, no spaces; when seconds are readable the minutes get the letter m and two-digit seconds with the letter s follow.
9h25
